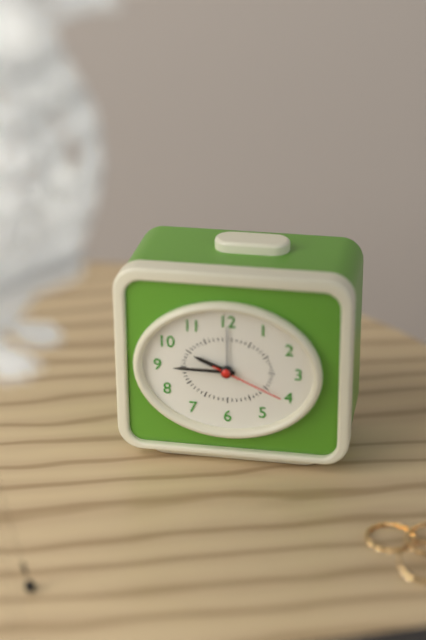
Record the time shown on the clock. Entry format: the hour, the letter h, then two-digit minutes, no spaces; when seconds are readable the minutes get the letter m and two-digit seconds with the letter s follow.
9h45m19s
